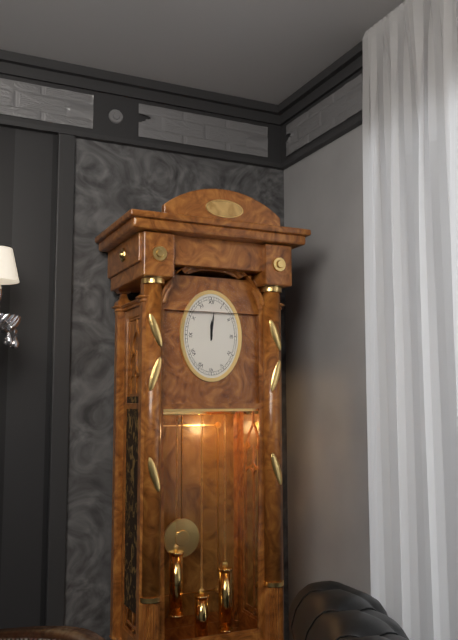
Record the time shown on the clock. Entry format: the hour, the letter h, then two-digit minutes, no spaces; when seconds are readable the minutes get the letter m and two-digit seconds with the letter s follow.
12h01
